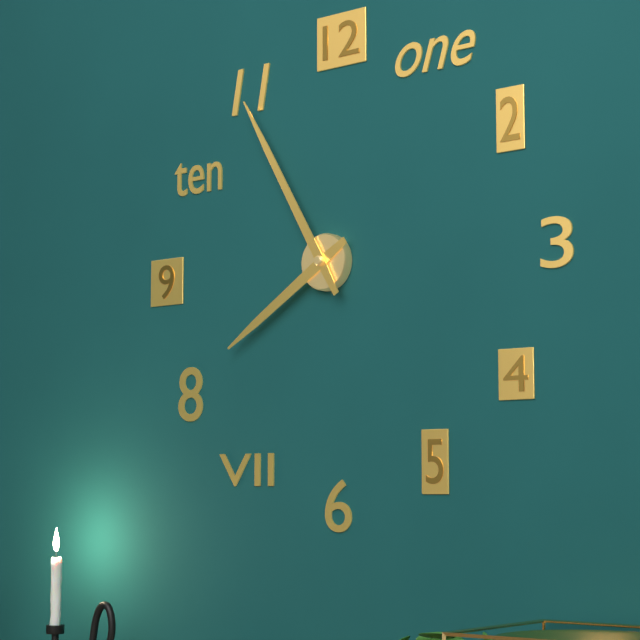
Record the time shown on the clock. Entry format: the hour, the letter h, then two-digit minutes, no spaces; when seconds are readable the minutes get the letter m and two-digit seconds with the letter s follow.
7h55
